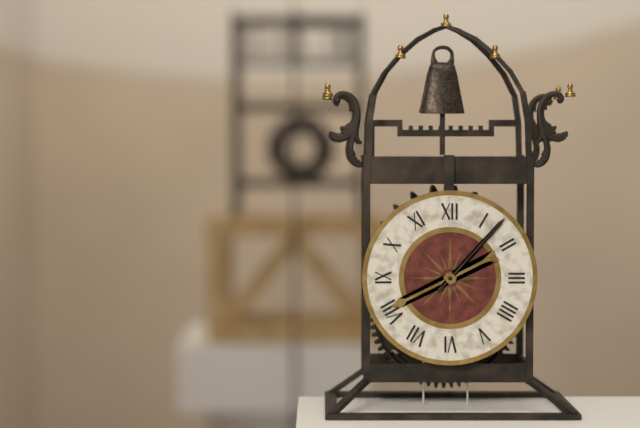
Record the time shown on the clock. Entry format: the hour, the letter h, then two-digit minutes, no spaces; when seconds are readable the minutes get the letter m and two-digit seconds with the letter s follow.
8h07
